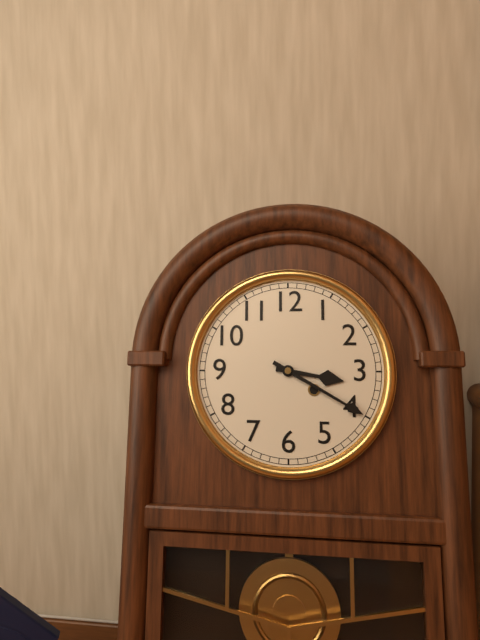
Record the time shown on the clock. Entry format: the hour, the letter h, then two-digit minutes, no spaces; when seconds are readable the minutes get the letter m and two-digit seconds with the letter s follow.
3h20
